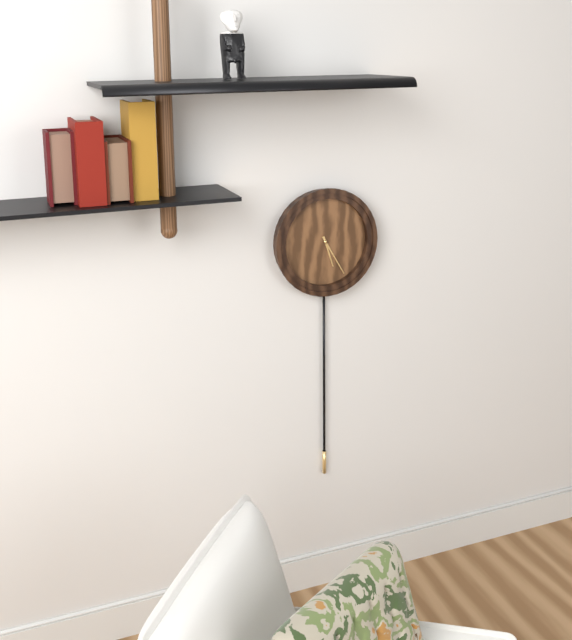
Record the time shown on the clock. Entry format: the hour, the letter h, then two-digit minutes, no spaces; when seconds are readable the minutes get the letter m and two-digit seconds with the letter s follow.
5h25
